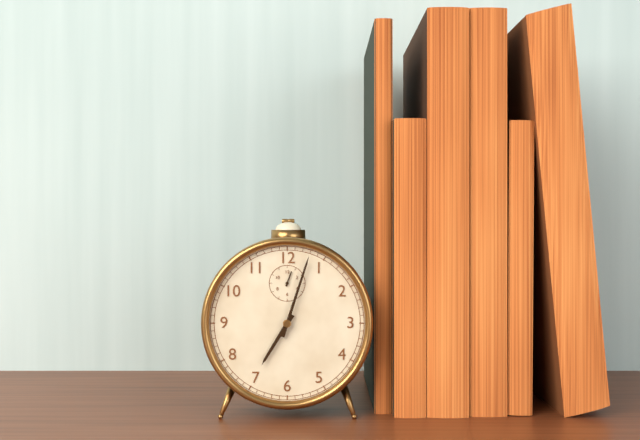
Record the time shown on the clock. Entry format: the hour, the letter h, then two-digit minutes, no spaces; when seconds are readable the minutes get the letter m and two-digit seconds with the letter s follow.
7h03
